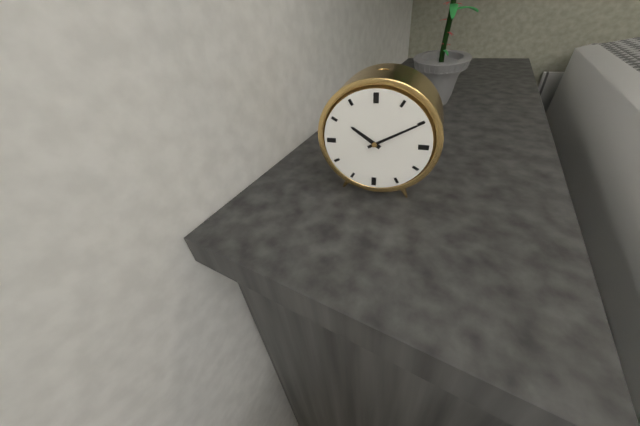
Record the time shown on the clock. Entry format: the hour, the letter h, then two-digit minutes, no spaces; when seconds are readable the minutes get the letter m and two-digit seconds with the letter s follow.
10h10
